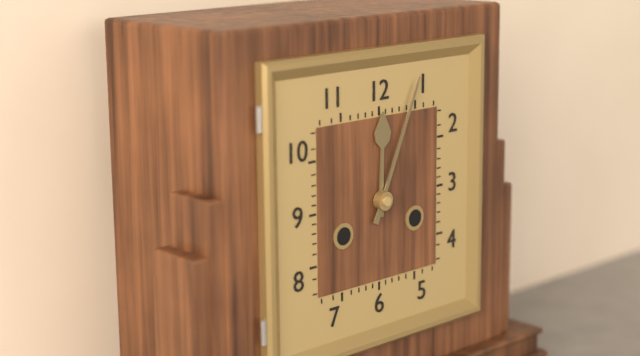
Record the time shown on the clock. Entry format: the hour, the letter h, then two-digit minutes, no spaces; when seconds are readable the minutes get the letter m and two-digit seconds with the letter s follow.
12h04
